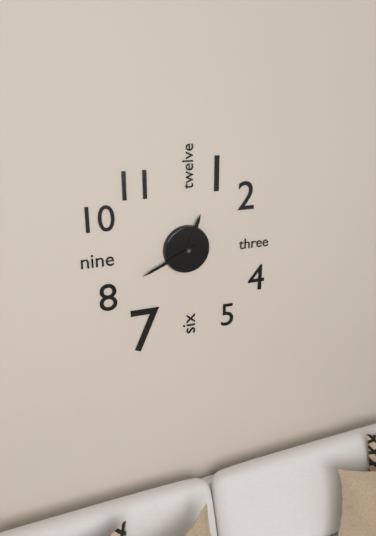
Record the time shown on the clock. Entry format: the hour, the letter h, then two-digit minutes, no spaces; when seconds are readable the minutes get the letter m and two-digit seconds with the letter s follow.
12h41
